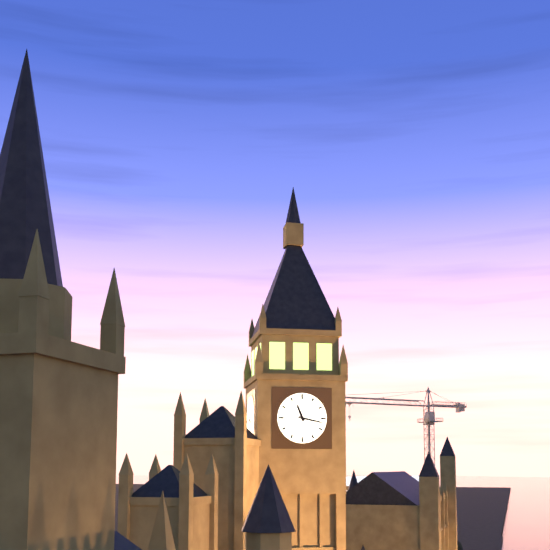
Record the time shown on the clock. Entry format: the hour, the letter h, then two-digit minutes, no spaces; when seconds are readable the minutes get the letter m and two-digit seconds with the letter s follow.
11h17
